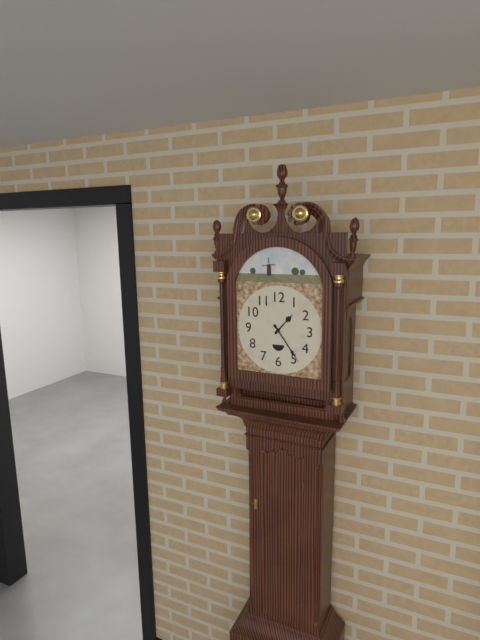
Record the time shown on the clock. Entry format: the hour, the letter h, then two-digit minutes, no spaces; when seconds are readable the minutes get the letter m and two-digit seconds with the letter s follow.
1h24
